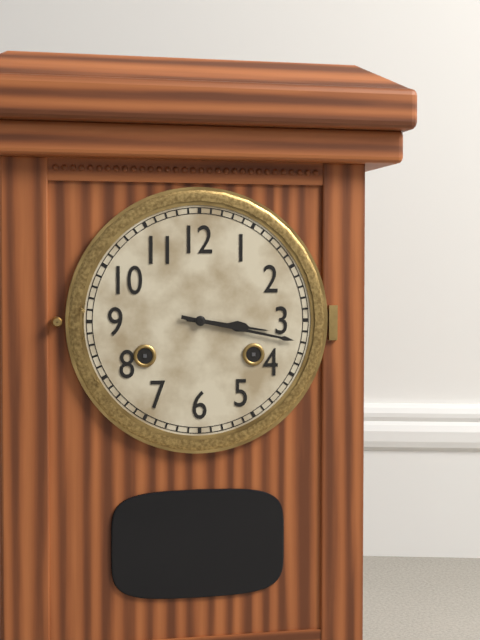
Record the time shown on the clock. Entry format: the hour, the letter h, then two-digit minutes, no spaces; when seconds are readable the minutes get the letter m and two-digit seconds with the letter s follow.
3h17
